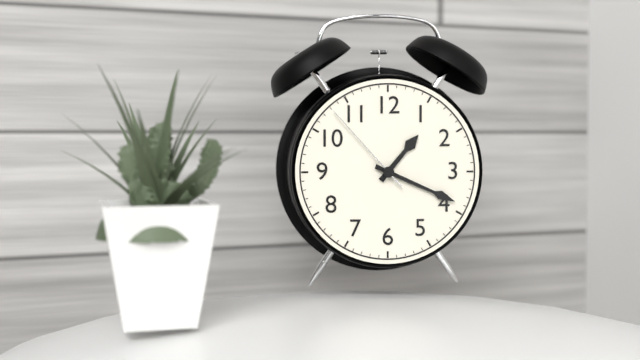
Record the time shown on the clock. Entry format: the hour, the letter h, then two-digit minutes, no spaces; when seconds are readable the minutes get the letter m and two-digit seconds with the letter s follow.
1h19m53s
